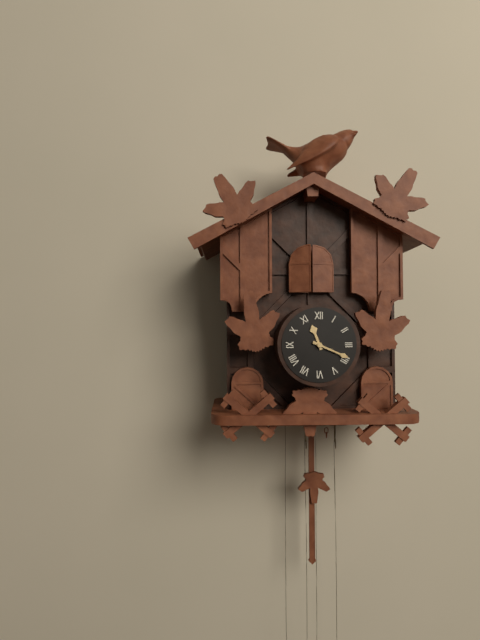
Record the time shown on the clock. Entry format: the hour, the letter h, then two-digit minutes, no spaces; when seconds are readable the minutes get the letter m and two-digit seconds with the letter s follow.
11h19
